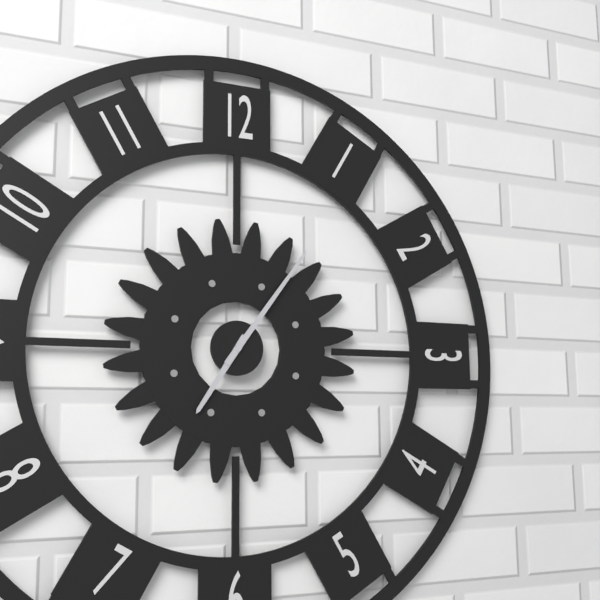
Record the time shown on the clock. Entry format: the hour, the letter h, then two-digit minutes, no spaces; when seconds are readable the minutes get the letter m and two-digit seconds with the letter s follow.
7h06
